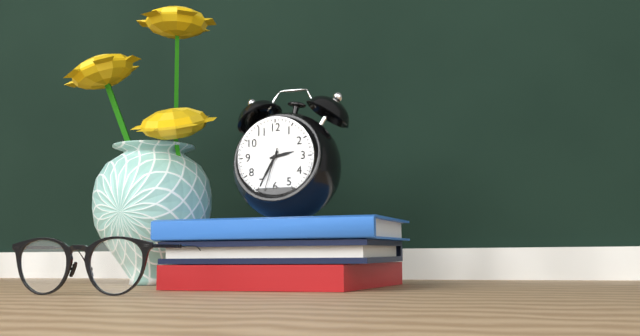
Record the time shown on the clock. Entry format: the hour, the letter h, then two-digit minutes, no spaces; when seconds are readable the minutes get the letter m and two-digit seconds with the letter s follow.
2h35
